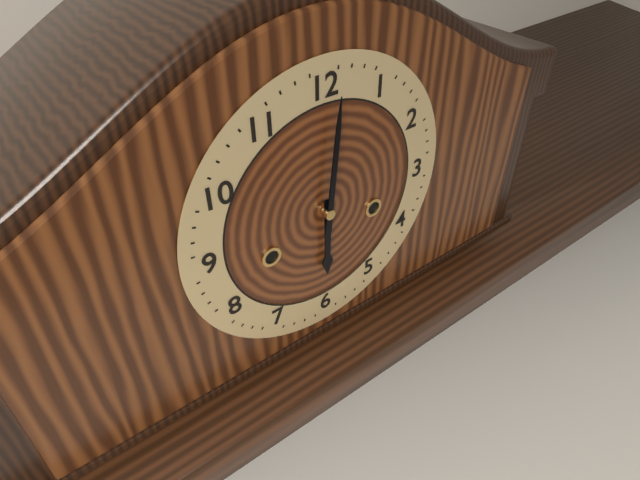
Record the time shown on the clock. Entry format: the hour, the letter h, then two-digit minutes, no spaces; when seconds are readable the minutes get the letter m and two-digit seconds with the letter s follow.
6h01
